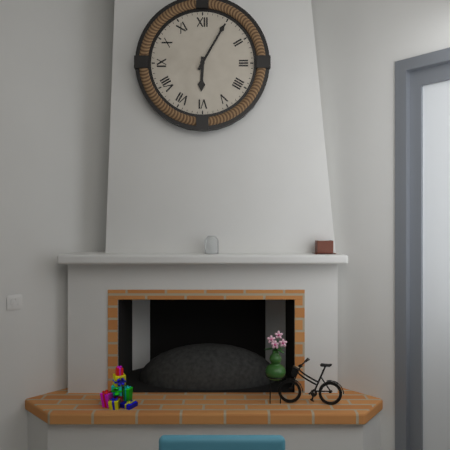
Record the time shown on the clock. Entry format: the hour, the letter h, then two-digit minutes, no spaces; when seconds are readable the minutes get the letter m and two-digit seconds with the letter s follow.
6h05
